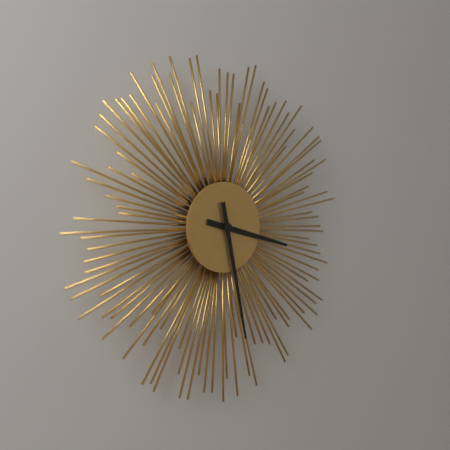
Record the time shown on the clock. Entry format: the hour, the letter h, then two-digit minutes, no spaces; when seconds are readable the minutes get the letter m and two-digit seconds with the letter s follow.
3h28
